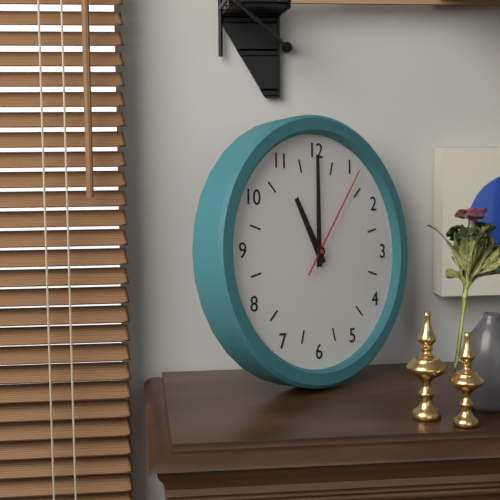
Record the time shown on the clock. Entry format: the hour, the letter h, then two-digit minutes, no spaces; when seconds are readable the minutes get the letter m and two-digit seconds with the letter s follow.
11h00m06s
